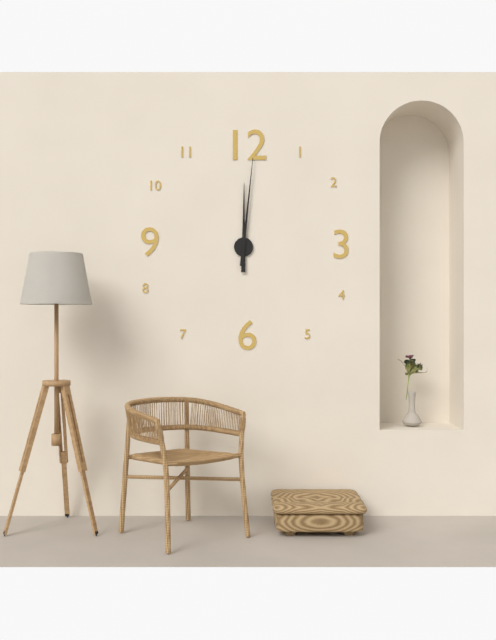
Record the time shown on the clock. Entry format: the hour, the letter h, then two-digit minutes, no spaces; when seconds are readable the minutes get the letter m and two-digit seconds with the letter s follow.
12h01
